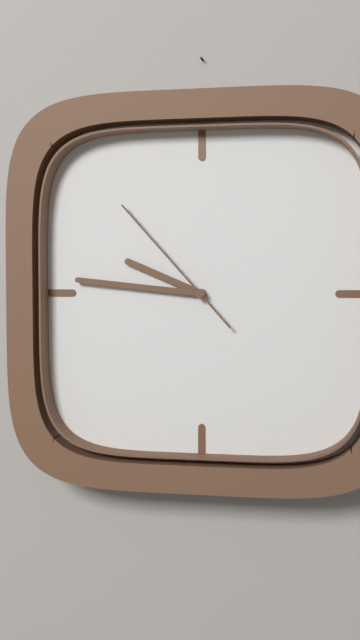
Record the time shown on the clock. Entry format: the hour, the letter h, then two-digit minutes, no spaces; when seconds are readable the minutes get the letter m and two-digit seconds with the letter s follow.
9h46m53s
